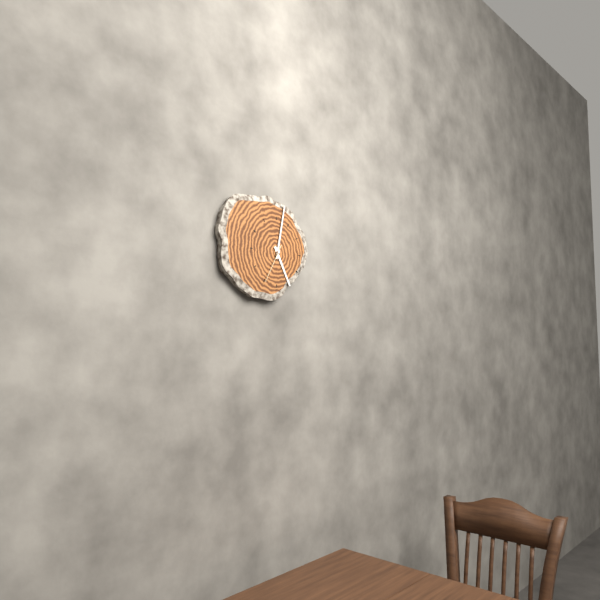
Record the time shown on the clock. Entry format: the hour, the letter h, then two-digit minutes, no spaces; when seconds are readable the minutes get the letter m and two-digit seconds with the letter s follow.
5h02
